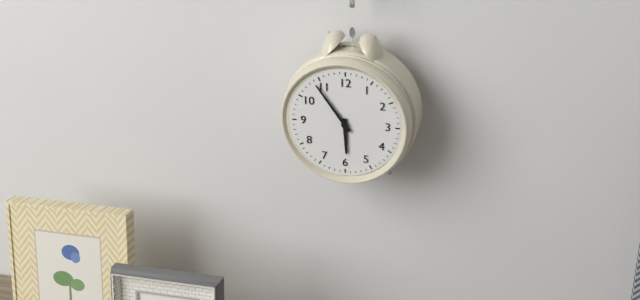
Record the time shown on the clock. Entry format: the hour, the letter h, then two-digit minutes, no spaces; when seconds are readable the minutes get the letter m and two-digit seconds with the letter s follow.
5h54
